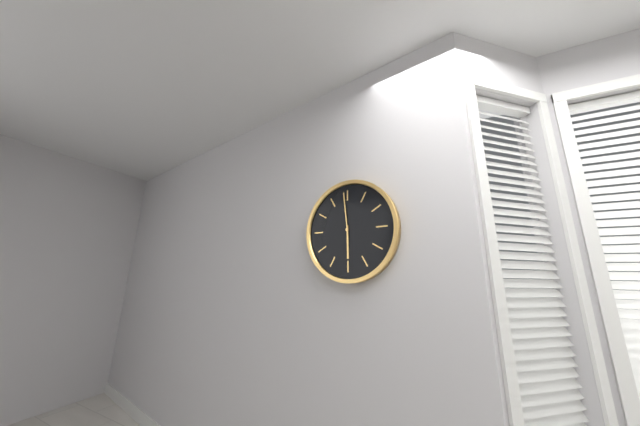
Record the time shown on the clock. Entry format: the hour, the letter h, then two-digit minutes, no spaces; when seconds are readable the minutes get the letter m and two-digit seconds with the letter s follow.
5h59
